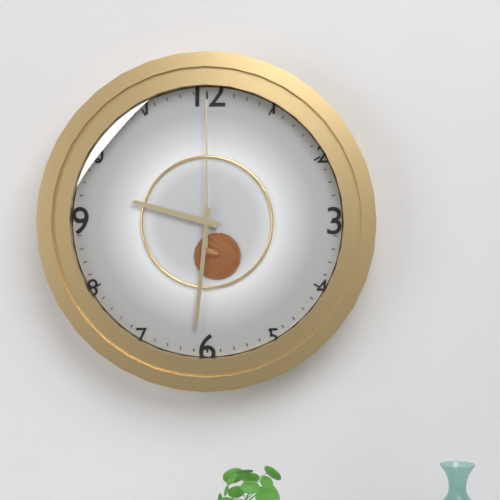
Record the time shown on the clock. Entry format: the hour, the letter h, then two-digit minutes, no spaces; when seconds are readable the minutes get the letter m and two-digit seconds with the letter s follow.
9h31m00s
